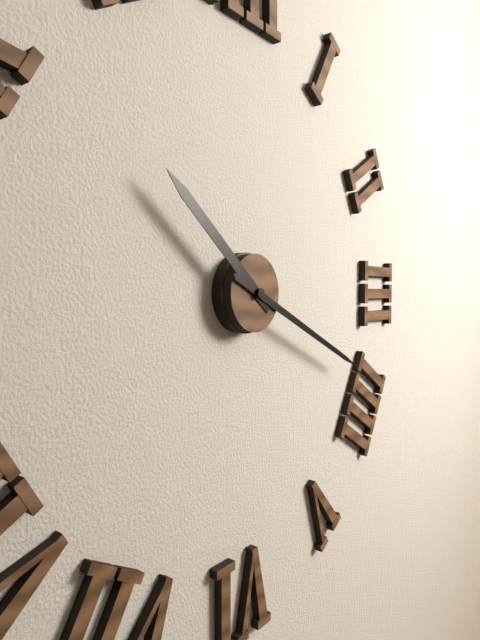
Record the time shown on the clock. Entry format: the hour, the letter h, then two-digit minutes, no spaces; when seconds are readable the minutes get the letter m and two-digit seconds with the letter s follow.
10h19
